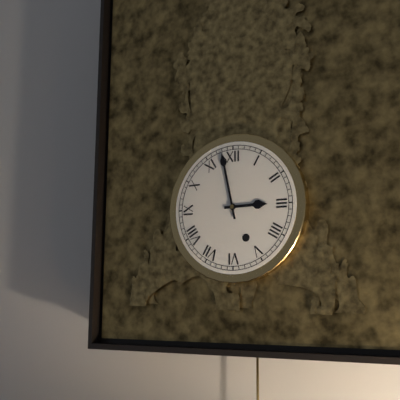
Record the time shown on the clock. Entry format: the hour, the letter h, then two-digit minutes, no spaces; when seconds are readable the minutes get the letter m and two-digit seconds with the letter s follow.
2h58
